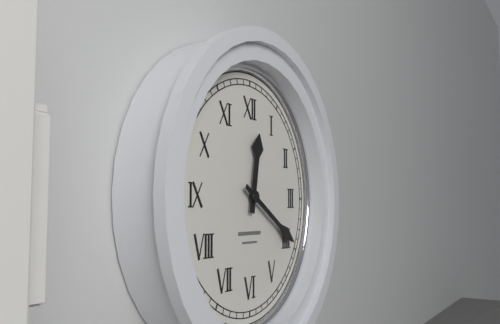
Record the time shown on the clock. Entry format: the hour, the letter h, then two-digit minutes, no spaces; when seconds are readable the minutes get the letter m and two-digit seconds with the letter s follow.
12h20
